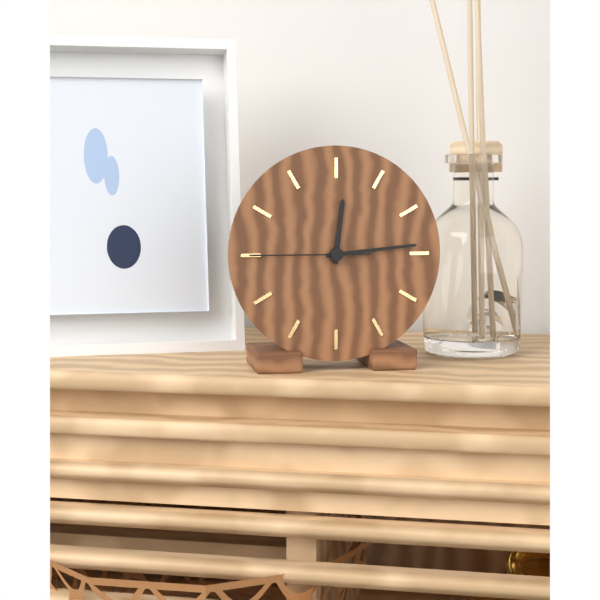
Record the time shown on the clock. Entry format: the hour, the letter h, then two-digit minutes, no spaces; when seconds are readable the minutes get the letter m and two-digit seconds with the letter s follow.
12h14m45s
